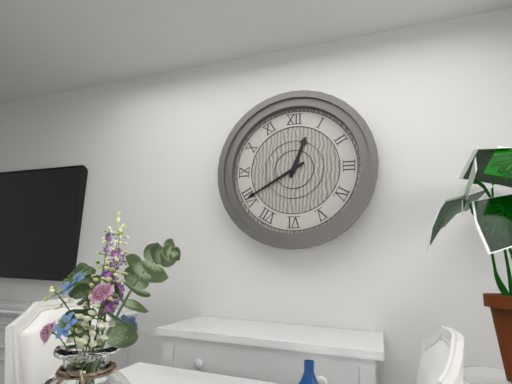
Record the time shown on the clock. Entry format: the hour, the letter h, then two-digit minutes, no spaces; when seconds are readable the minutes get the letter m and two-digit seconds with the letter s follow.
12h40
